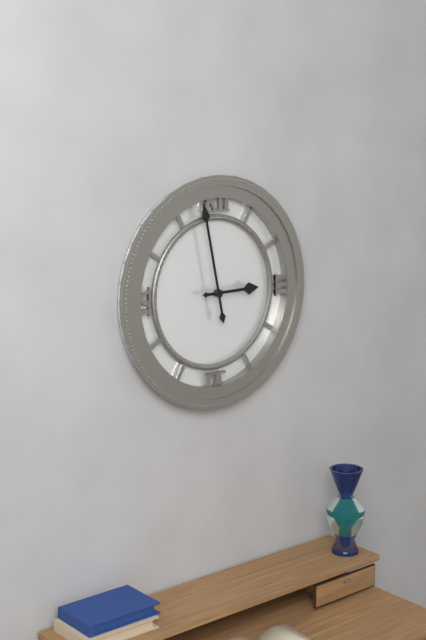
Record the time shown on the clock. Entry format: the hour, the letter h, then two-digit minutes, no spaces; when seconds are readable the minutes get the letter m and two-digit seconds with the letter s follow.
2h58
